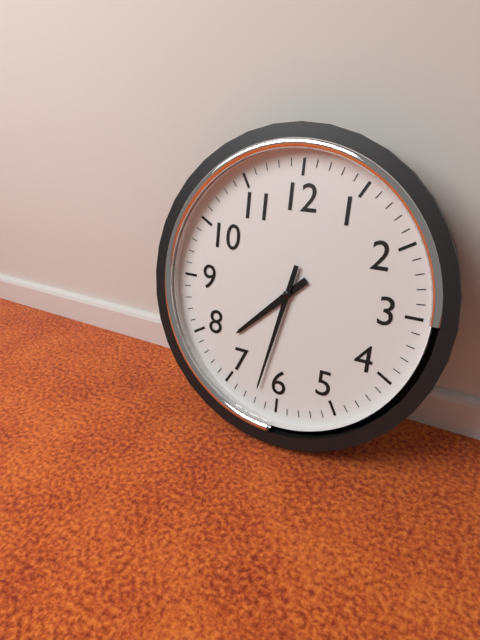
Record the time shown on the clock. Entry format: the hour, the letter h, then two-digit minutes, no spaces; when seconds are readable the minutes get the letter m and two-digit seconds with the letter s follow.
7h32
